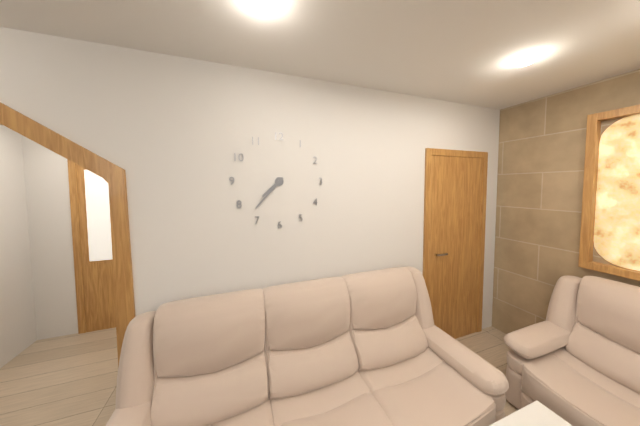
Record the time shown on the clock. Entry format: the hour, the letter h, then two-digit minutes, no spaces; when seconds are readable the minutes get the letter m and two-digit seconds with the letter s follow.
7h37
